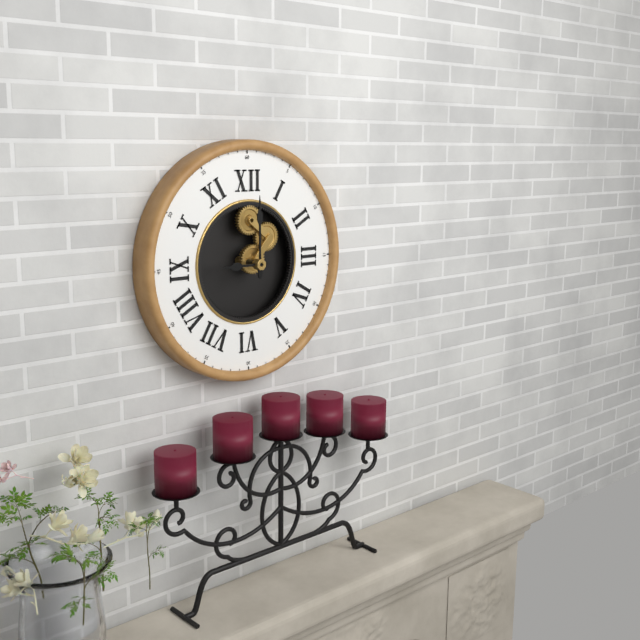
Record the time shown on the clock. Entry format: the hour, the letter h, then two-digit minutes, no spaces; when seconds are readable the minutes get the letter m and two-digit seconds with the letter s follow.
9h00
